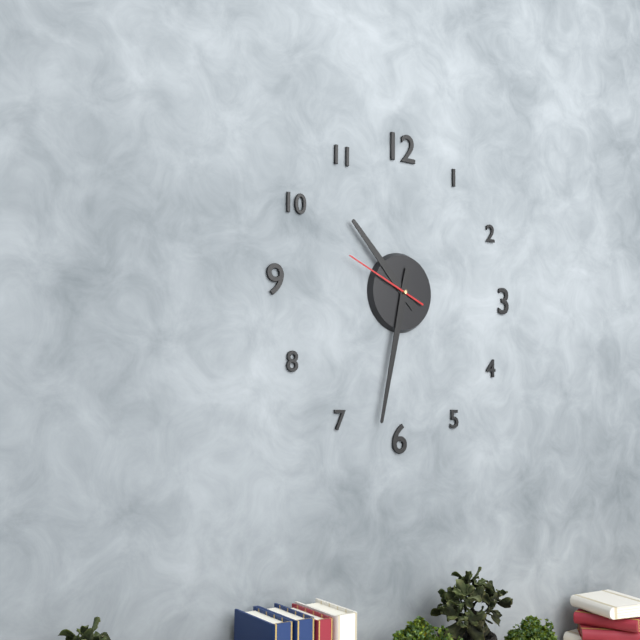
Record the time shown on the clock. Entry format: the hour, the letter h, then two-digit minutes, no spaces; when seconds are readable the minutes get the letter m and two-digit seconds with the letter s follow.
10h32m49s
